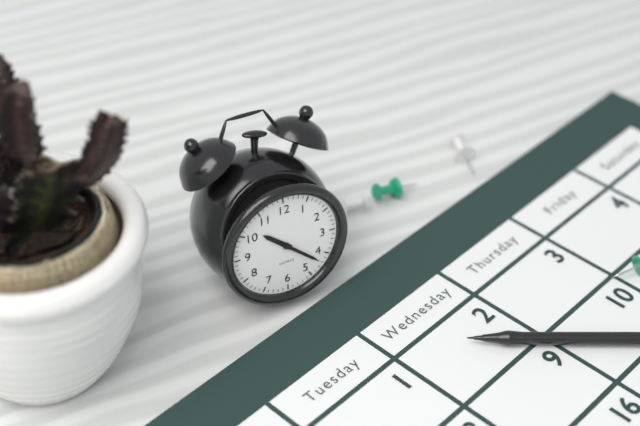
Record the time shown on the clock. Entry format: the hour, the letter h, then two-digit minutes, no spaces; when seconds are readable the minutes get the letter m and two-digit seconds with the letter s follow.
10h22
